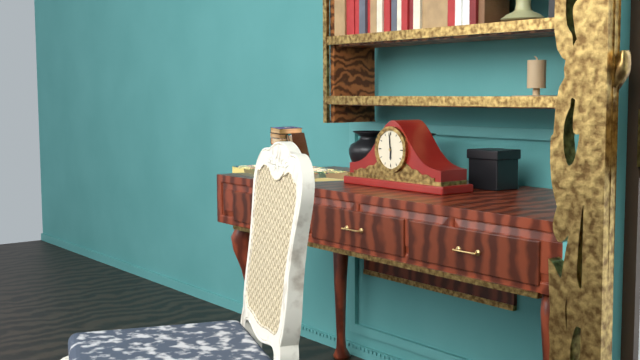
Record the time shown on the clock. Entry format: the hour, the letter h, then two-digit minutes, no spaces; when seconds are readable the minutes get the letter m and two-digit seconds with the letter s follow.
5h59
